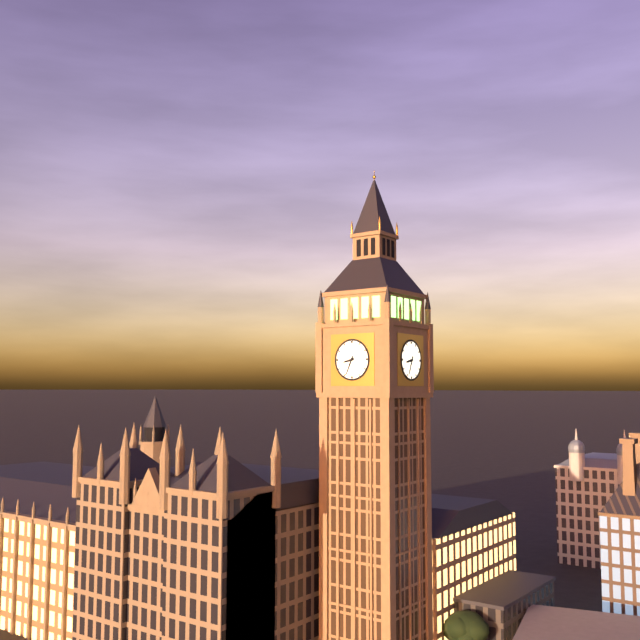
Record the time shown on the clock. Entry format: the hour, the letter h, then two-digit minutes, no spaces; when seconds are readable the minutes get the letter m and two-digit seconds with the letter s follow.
8h34
